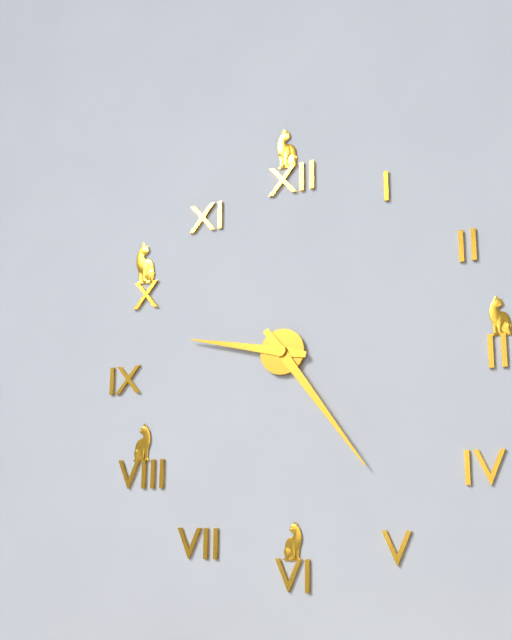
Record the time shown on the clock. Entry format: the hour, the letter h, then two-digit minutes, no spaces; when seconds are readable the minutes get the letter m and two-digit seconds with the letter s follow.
9h24
